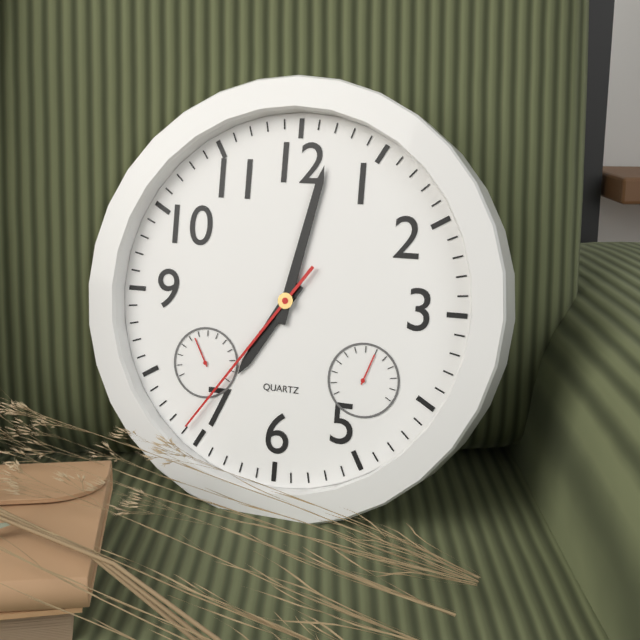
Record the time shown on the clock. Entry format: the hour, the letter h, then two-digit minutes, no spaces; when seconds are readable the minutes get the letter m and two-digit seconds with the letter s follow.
7h02m36s
